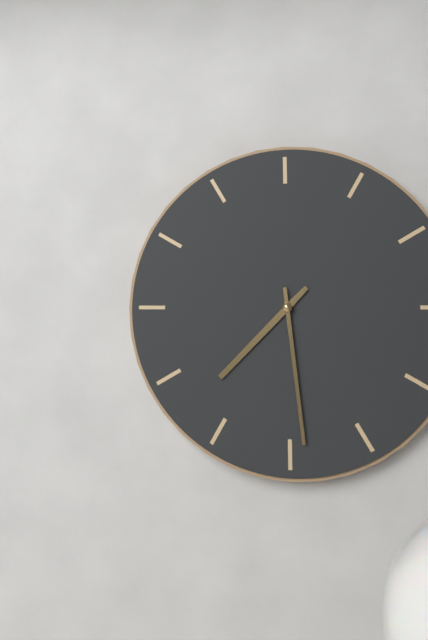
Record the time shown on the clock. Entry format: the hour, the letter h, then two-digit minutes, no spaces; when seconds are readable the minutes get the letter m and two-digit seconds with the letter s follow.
7h29
